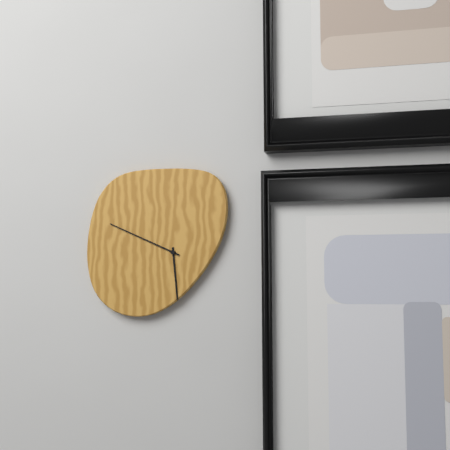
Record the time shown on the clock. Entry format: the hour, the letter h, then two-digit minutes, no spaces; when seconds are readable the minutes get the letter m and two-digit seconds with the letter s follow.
5h49
